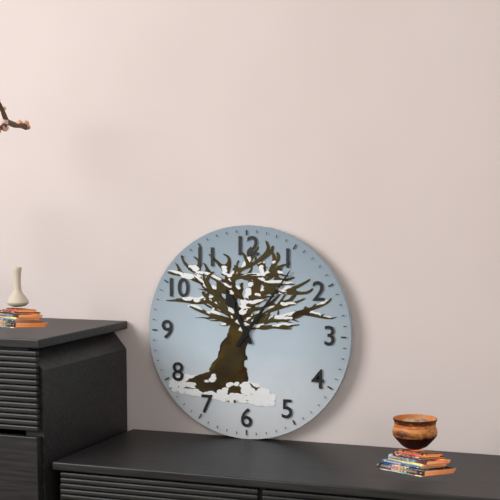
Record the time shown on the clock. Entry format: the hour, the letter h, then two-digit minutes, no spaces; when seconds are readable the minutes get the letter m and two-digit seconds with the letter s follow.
11h06
